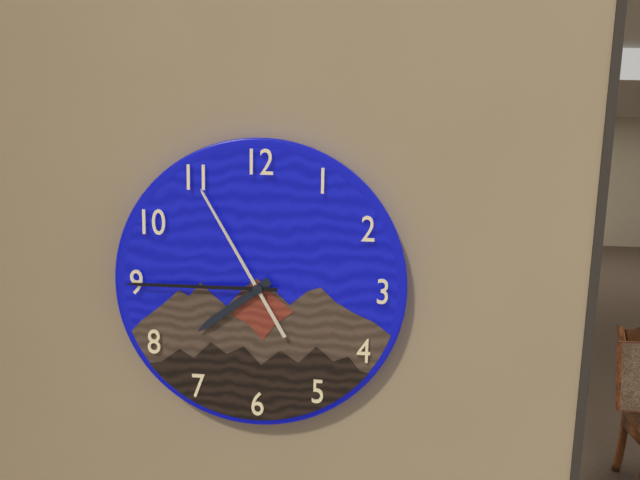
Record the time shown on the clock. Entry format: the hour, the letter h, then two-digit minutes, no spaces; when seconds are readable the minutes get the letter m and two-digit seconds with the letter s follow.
7h45m55s
